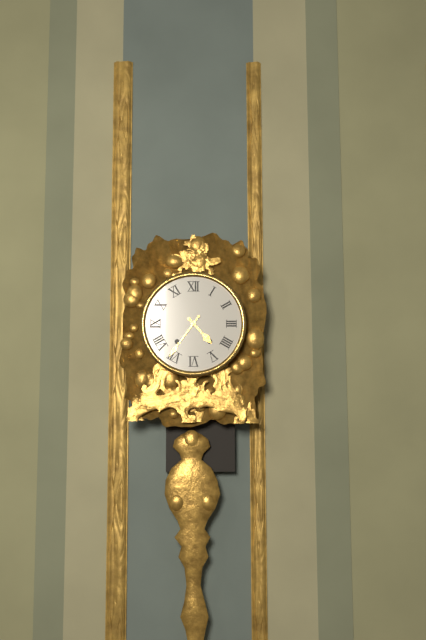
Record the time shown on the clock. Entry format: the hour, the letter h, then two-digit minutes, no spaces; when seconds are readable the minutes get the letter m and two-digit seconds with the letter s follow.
4h36
